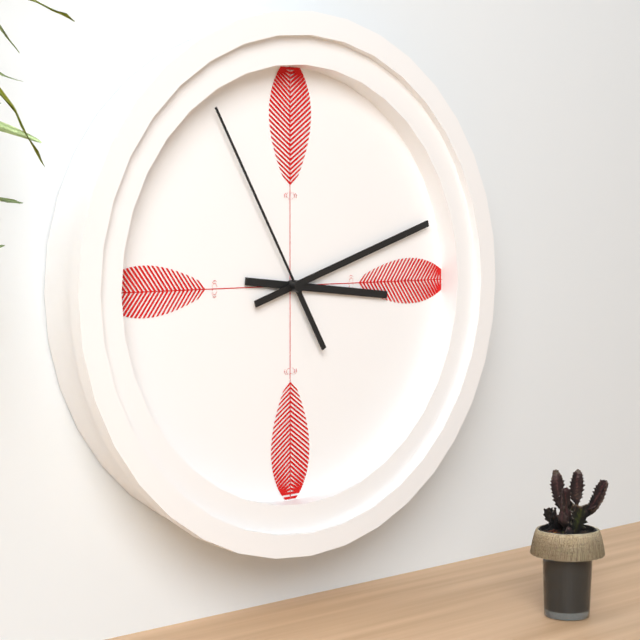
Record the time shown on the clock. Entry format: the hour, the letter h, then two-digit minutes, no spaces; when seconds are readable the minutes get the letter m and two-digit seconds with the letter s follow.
3h12m55s
